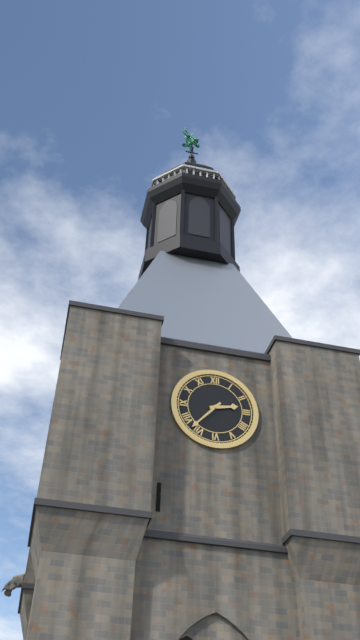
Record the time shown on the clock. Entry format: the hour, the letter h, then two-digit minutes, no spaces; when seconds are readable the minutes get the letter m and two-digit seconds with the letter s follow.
2h37
